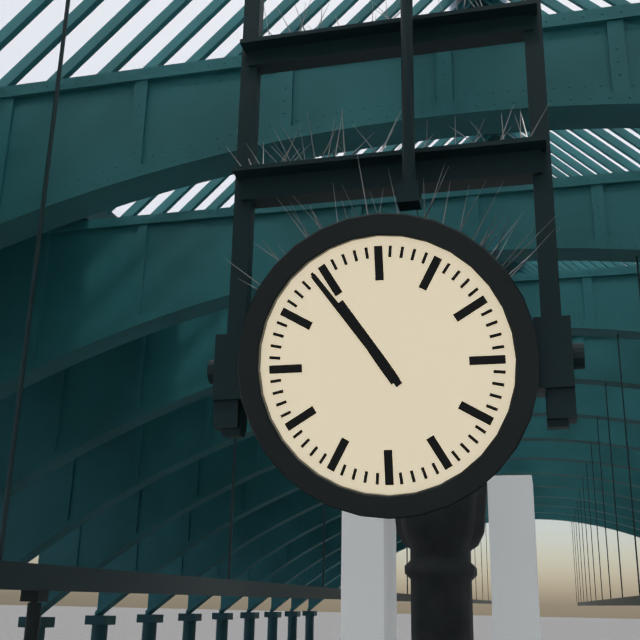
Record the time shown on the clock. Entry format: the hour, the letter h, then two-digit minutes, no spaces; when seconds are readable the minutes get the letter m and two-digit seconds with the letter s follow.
10h54
